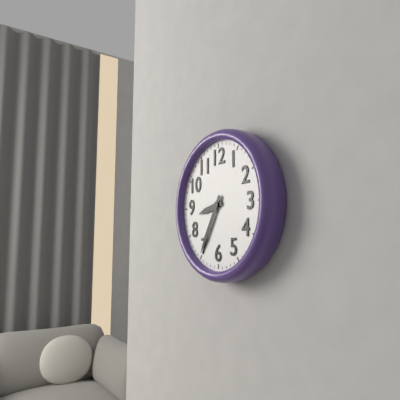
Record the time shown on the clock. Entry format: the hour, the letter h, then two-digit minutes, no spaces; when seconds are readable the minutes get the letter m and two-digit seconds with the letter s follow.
8h35
